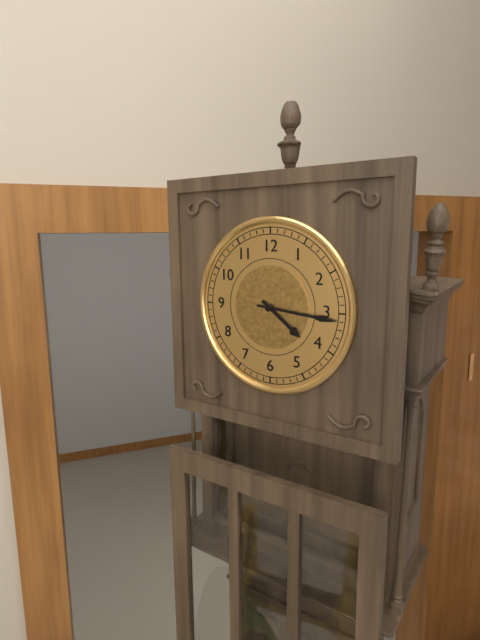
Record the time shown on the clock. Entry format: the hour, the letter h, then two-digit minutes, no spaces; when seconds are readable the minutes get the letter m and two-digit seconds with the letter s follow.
4h16
